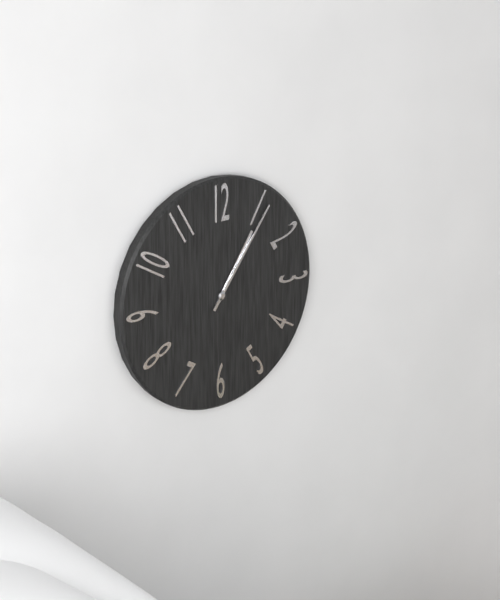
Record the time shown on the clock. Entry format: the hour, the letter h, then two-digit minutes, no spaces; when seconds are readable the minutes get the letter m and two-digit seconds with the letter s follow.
1h06
